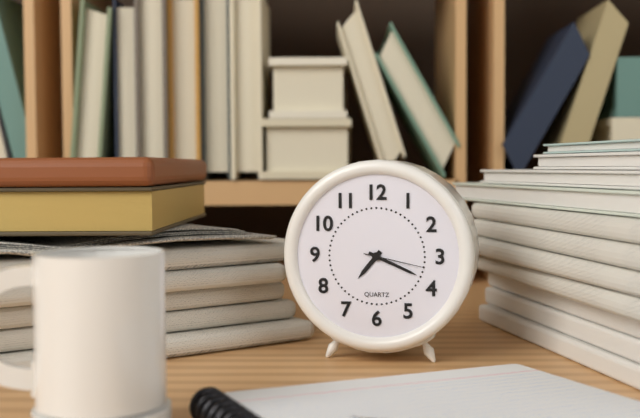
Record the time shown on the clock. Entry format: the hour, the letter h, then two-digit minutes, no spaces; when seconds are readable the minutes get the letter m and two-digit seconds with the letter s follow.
7h19m17s
